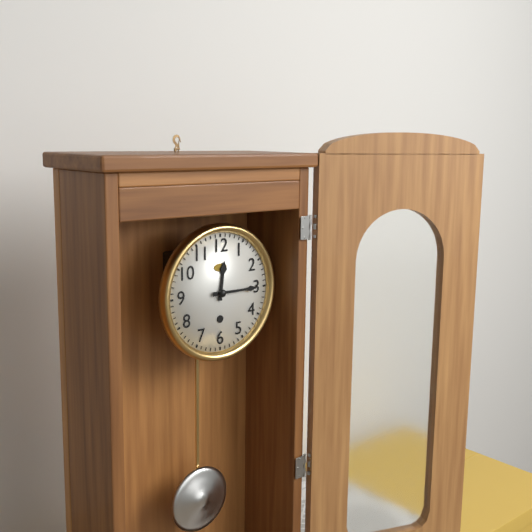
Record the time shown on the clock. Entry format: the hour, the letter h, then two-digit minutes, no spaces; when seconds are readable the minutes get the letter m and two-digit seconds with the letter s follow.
12h15
